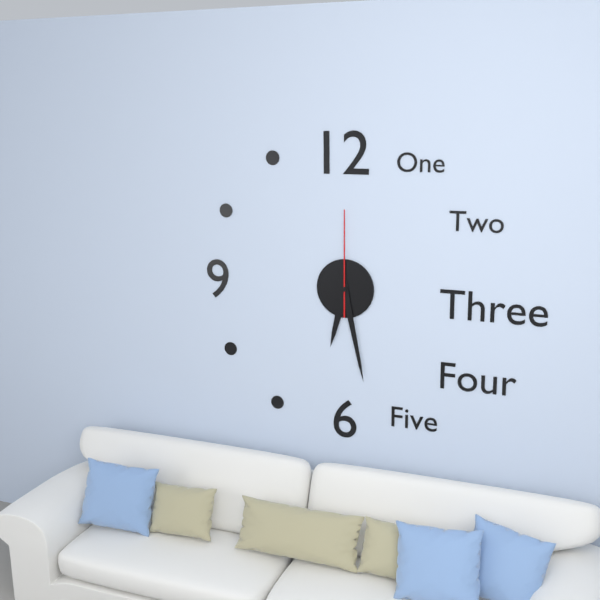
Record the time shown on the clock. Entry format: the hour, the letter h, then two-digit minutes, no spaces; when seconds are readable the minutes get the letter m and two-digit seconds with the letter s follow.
6h28m00s
